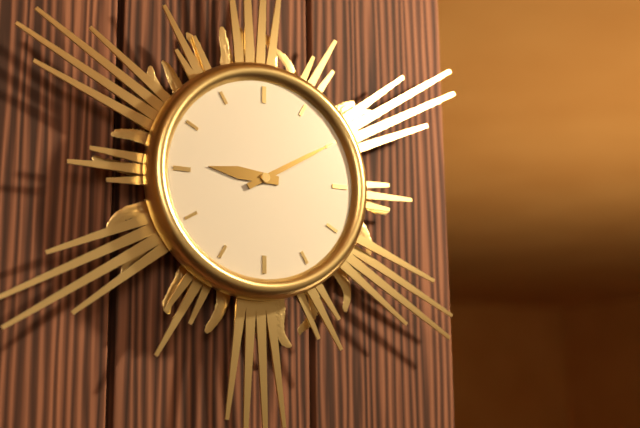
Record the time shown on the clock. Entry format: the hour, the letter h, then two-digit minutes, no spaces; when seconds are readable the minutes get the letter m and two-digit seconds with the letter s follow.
9h10
